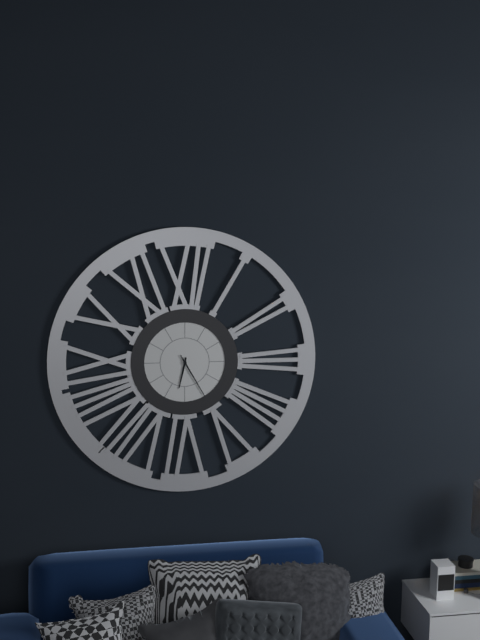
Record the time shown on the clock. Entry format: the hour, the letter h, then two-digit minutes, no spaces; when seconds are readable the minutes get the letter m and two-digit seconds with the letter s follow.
6h25
